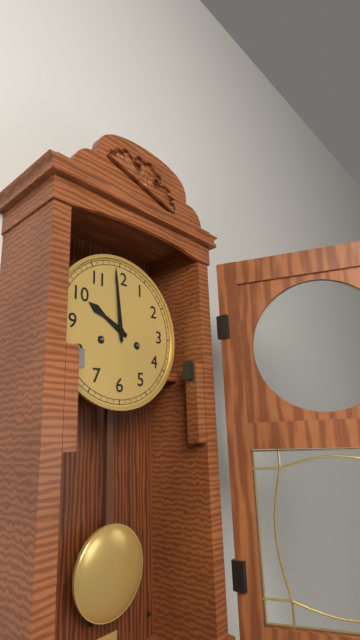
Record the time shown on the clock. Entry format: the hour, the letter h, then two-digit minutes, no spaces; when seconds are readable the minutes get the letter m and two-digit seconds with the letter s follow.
9h59
